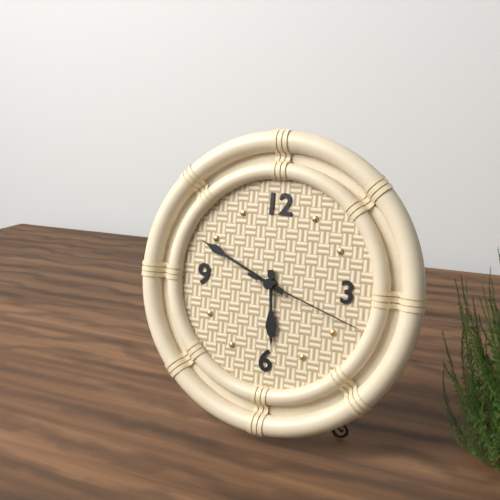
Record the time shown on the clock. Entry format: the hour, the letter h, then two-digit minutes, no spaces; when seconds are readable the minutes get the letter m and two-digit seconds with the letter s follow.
5h49m18s
